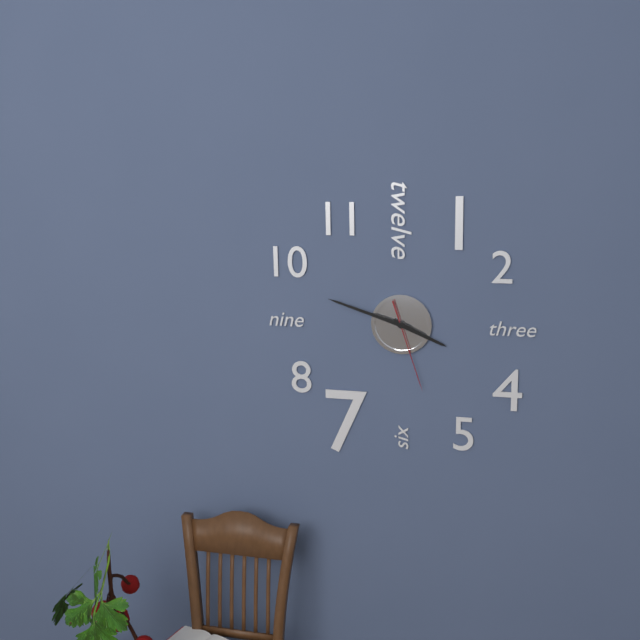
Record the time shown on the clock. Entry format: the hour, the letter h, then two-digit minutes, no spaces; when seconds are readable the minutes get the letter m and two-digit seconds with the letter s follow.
3h48m27s
